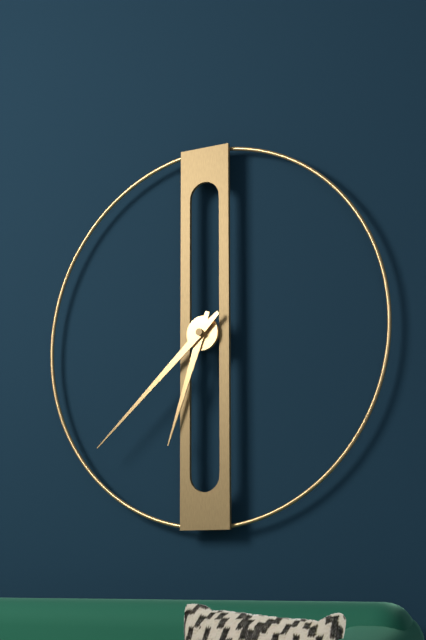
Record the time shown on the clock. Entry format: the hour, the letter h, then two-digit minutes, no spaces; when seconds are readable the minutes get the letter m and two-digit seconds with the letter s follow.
6h38
